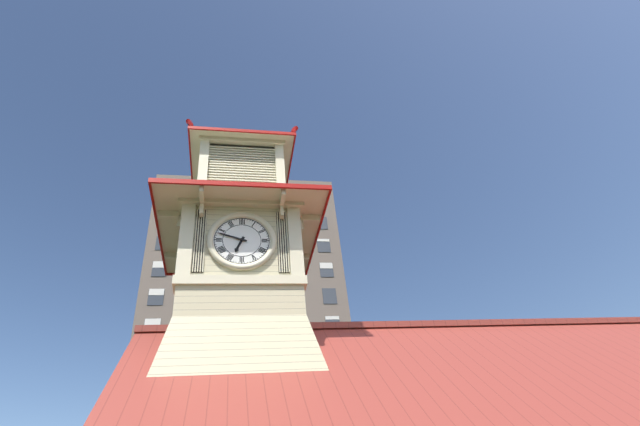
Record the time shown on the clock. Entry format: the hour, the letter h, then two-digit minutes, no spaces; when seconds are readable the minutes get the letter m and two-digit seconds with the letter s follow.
6h48
